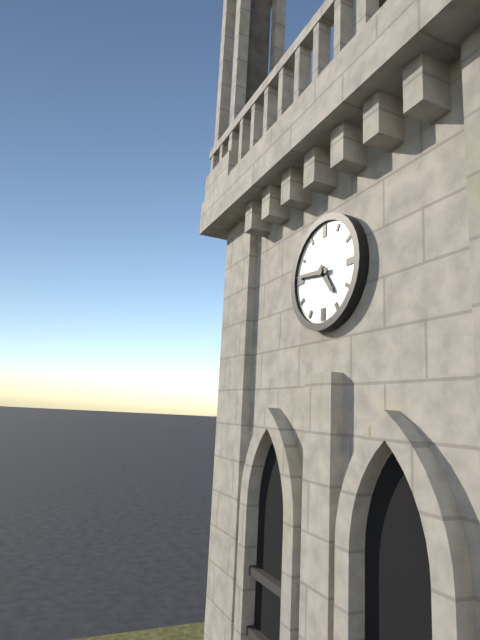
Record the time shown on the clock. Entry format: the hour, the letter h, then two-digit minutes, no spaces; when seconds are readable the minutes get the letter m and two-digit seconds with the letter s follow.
4h46
